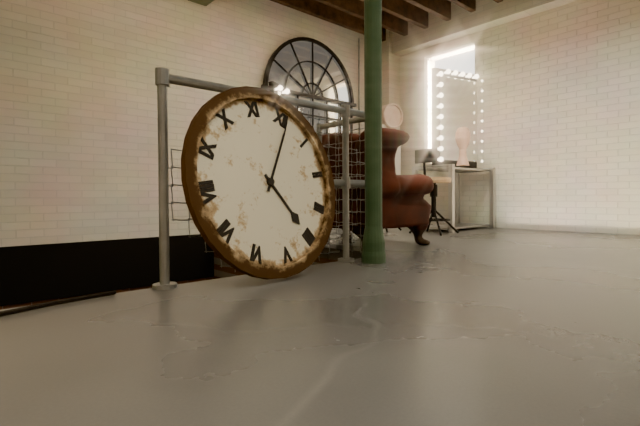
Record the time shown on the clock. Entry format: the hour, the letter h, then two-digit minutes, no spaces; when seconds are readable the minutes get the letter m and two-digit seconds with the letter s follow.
4h01
